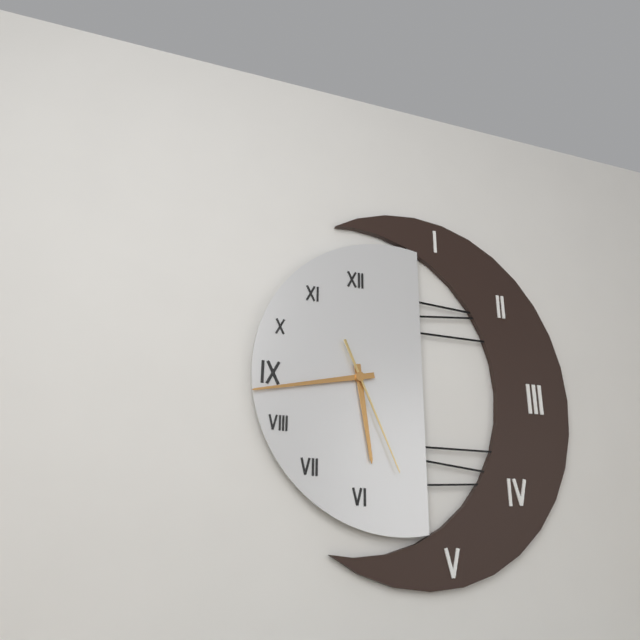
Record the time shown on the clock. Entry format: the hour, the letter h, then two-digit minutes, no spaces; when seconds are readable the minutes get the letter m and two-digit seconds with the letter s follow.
5h43m26s
